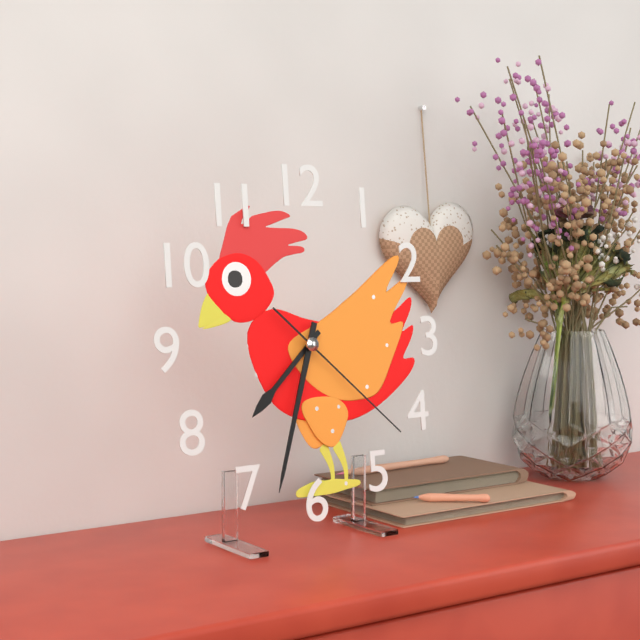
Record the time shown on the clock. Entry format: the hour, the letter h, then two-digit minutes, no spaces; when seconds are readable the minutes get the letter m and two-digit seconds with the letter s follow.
7h33m22s
